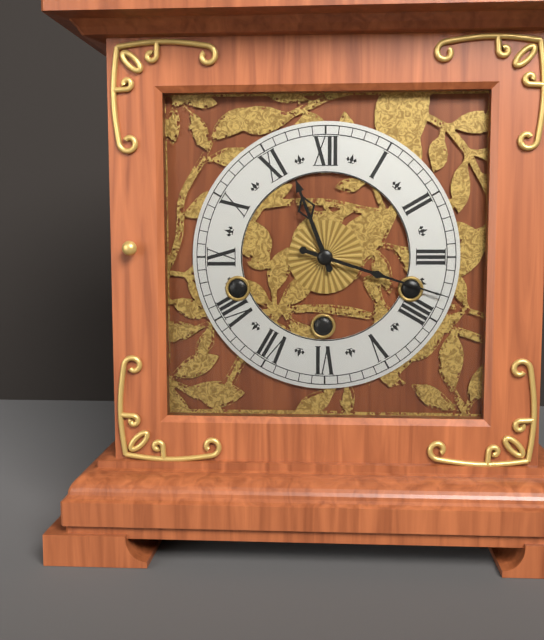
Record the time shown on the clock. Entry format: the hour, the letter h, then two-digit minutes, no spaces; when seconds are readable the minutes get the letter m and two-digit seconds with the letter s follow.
11h18
